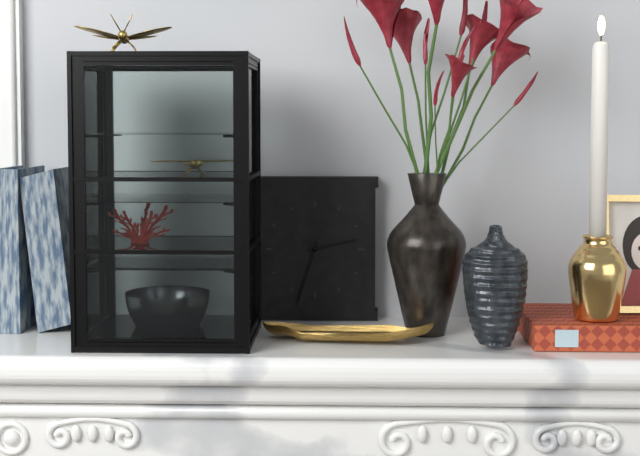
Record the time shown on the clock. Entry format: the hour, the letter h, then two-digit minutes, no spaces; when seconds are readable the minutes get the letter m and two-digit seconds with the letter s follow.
2h33
